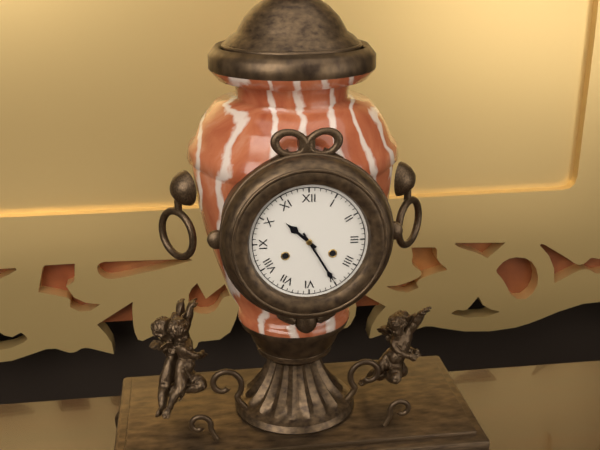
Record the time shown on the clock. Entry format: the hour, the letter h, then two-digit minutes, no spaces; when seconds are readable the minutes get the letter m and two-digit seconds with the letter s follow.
10h25
